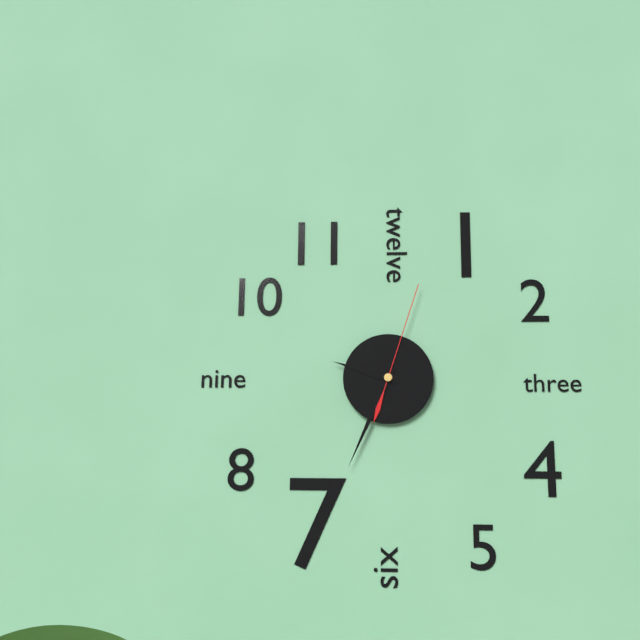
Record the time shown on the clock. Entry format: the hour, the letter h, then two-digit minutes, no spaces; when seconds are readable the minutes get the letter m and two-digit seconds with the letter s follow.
9h34m03s
